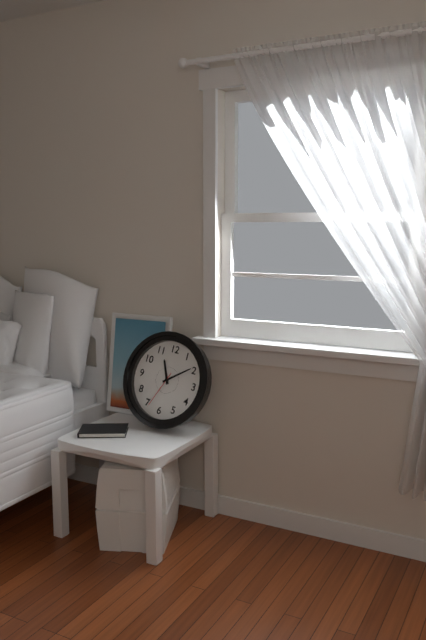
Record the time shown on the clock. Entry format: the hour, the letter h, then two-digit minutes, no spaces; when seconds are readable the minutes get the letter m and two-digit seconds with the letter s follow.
11h09
